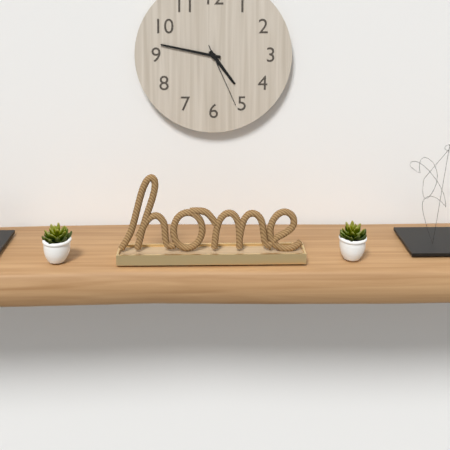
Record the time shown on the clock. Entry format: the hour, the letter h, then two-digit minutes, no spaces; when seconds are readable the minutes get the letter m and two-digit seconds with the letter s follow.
4h47m26s
